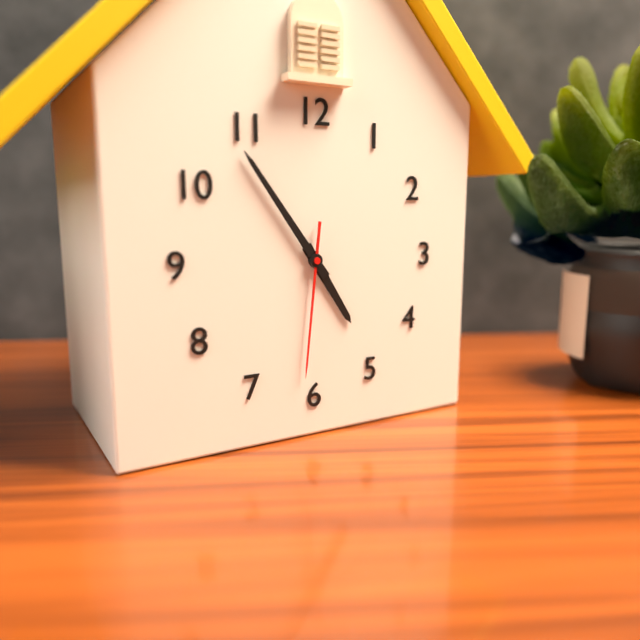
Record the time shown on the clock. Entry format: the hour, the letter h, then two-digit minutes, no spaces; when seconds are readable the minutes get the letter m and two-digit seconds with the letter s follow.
4h54m31s
